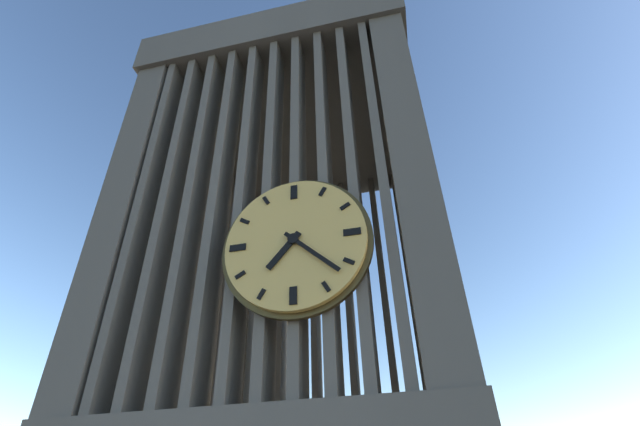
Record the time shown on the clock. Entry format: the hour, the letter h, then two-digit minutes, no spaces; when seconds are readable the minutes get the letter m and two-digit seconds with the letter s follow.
7h22
